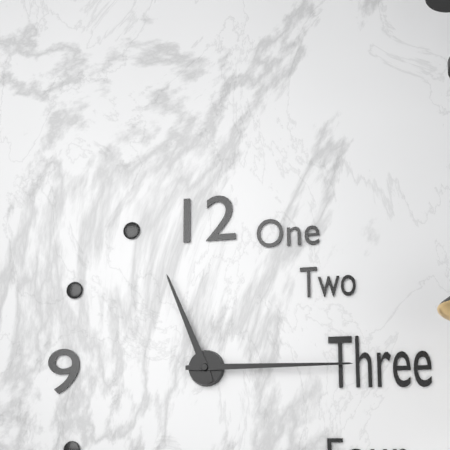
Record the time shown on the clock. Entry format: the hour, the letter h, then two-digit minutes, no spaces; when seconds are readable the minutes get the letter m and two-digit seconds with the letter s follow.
11h15
